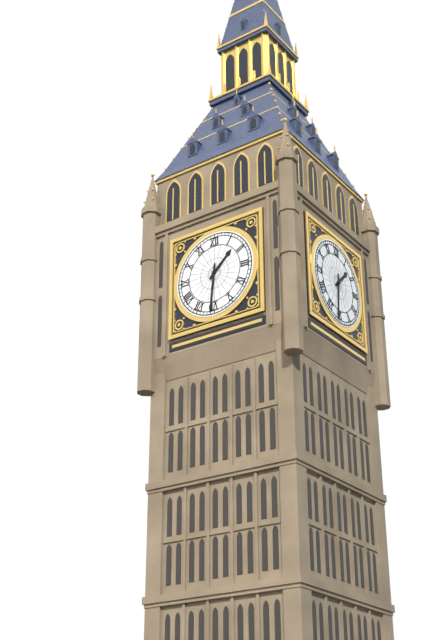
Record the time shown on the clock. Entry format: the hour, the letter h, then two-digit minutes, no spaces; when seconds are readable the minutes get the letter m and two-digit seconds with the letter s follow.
1h31
